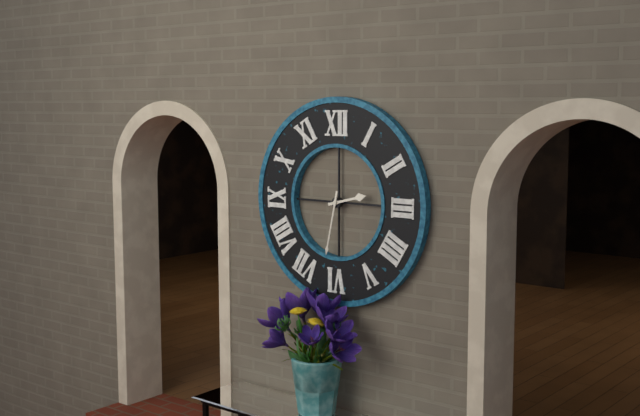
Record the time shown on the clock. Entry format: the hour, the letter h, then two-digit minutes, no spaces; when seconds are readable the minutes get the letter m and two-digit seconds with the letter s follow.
2h32
